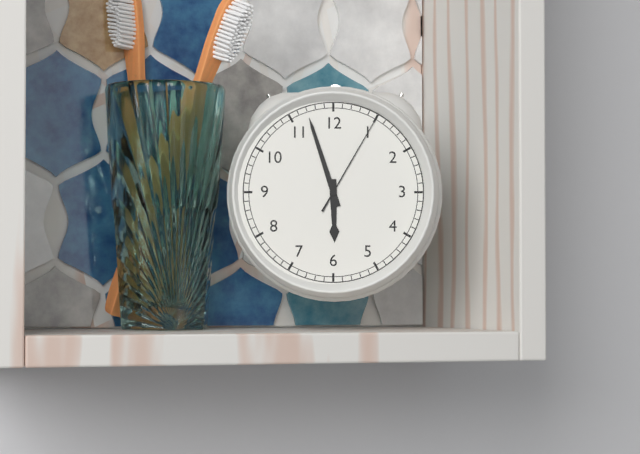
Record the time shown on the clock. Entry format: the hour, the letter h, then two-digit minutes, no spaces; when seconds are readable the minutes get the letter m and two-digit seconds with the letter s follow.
5h57m05s
